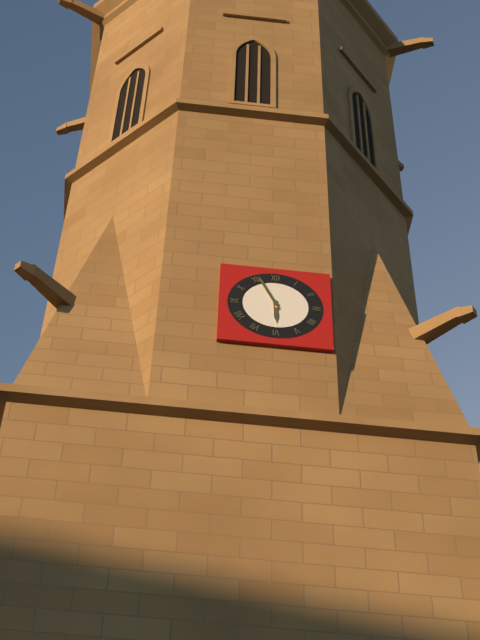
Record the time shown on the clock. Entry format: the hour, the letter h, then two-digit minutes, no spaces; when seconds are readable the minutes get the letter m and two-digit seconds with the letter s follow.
5h56
